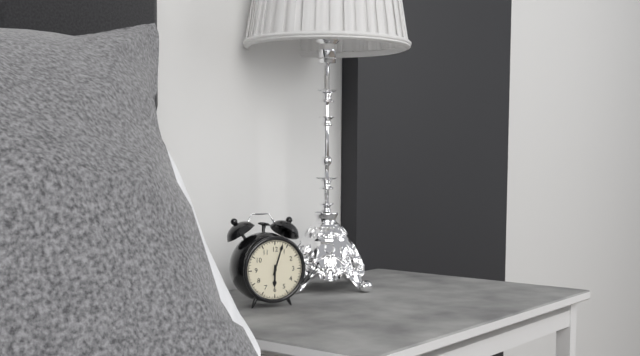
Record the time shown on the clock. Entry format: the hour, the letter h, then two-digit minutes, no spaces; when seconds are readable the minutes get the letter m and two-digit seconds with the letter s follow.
6h03
